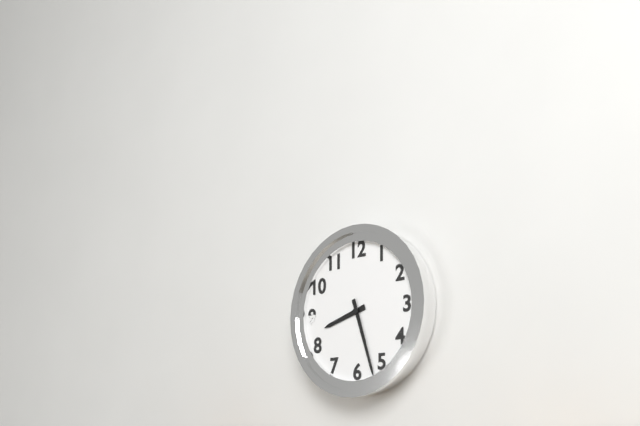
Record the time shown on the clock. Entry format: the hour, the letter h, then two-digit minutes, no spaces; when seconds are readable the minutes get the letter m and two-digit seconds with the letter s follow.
8h27
